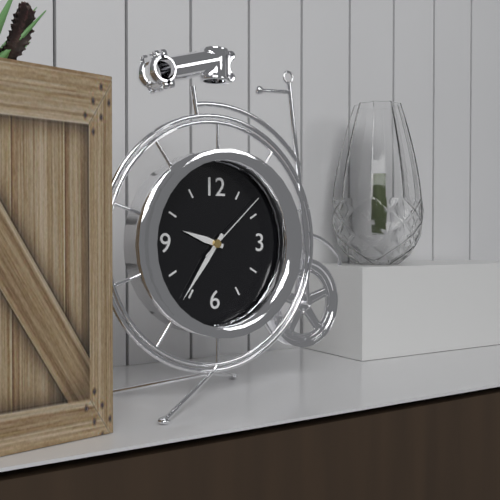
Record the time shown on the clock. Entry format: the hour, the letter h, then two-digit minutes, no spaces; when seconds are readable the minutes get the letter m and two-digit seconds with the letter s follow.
9h36m08s
